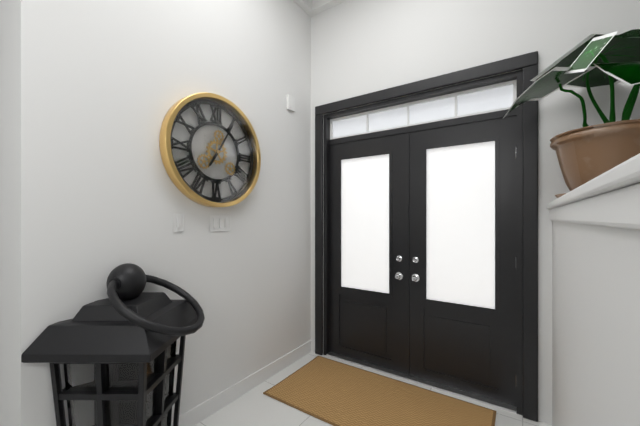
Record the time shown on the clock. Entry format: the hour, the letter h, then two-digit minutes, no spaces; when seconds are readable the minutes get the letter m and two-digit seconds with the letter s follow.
7h05
